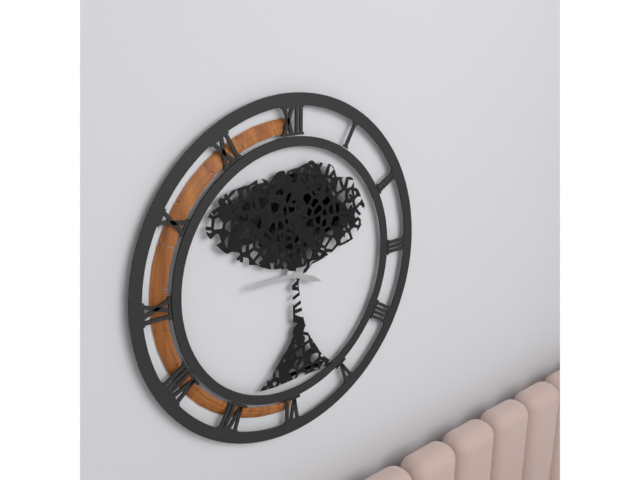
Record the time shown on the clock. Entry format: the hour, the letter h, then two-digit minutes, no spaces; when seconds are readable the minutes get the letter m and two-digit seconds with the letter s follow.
3h45
